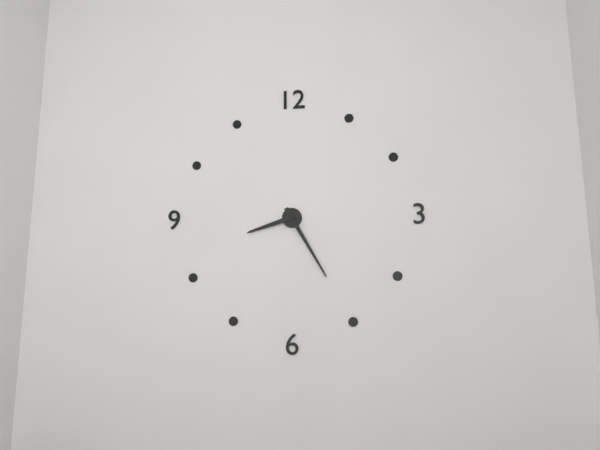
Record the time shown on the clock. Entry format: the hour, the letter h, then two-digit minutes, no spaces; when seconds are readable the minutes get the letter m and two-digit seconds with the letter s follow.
8h25
